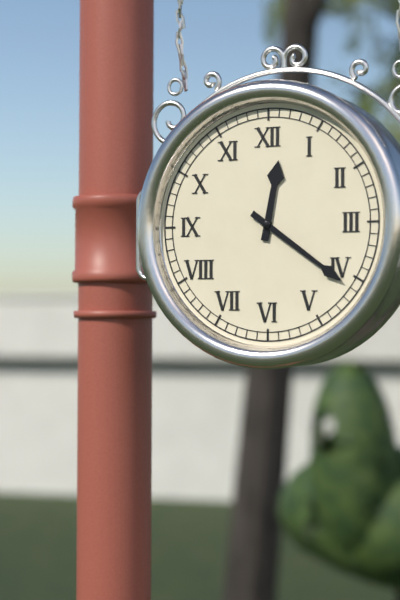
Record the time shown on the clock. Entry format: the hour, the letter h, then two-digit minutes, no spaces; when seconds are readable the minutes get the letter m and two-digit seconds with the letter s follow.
12h21
